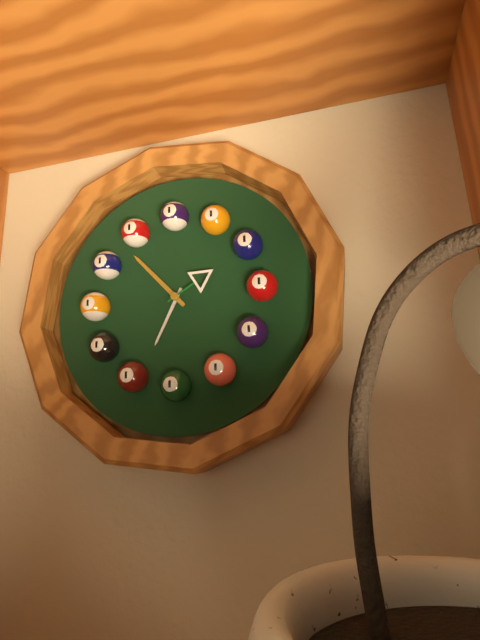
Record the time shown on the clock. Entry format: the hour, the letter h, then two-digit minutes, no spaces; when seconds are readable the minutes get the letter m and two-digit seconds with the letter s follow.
6h53m10s
